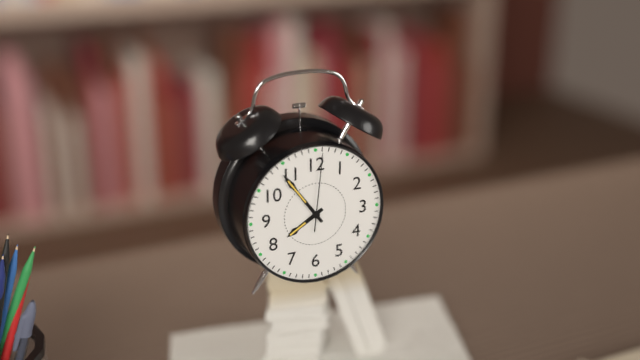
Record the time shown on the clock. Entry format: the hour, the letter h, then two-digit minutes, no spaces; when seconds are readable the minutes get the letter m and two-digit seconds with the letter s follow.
7h54m01s
